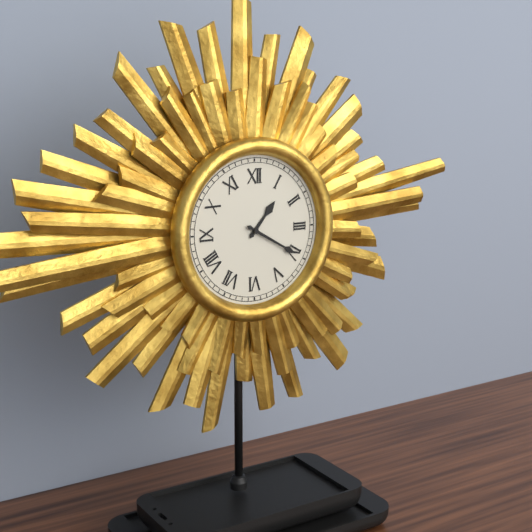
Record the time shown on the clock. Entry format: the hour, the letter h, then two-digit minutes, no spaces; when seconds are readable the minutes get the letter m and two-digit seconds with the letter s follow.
1h20
